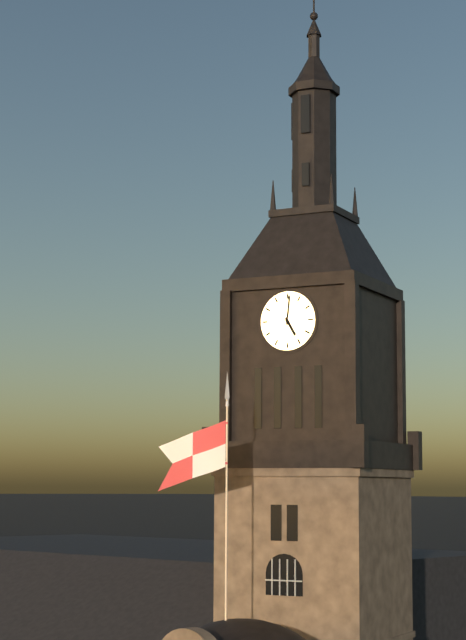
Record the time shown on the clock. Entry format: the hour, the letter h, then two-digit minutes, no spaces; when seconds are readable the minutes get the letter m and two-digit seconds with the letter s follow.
5h01
